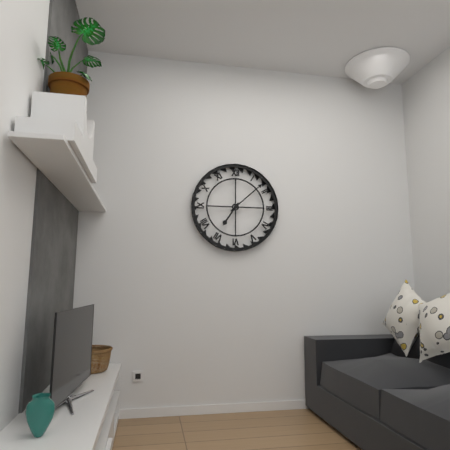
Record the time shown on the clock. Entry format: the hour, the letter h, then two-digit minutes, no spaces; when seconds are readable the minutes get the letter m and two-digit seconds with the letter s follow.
7h08
